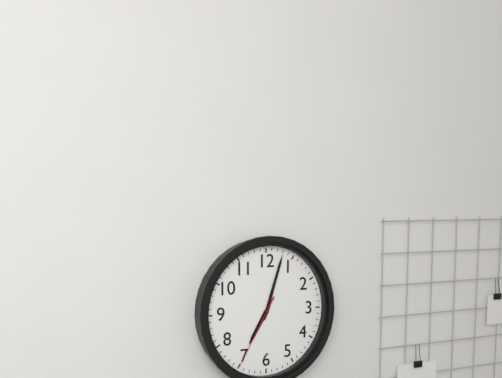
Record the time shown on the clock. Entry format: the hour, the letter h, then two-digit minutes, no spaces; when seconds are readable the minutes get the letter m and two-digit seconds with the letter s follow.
7h03m35s
